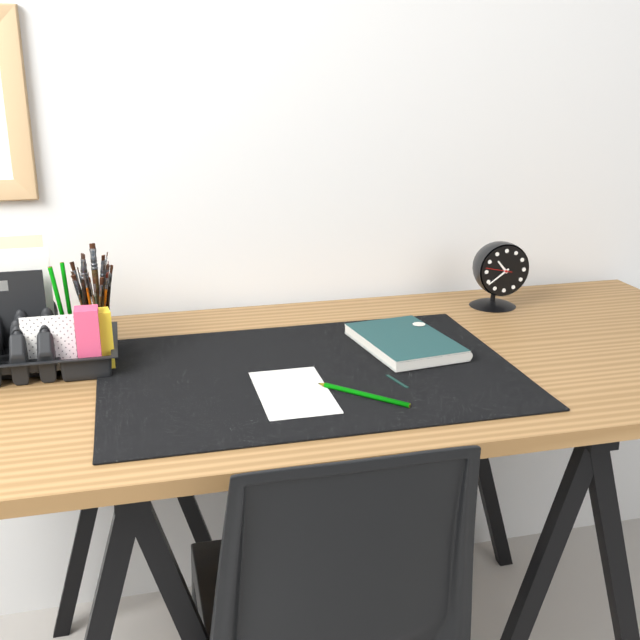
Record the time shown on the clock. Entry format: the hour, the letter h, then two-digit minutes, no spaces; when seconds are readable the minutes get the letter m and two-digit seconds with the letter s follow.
10h39
